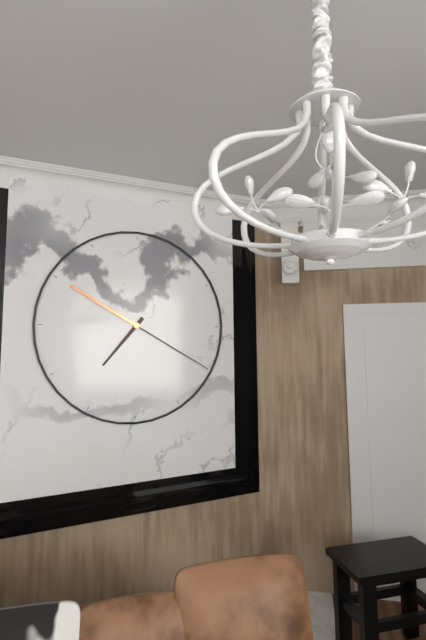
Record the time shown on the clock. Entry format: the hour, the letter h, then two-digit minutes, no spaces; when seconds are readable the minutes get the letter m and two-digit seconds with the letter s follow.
7h20
